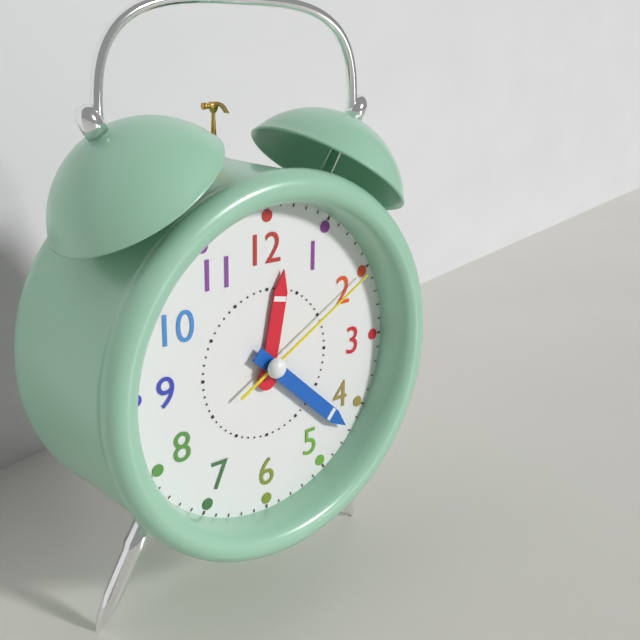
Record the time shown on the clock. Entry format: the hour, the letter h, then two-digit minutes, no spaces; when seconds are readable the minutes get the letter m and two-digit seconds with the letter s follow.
12h22m10s
